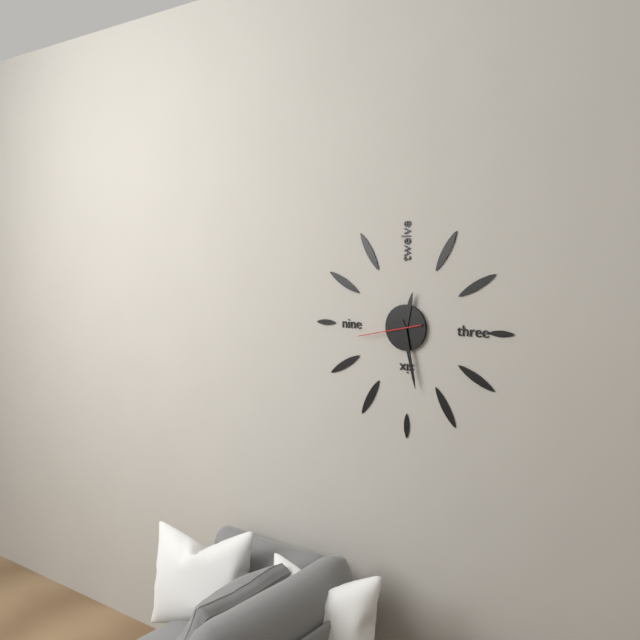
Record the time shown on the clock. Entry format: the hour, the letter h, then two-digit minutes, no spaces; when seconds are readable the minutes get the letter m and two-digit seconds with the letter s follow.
12h28m43s
